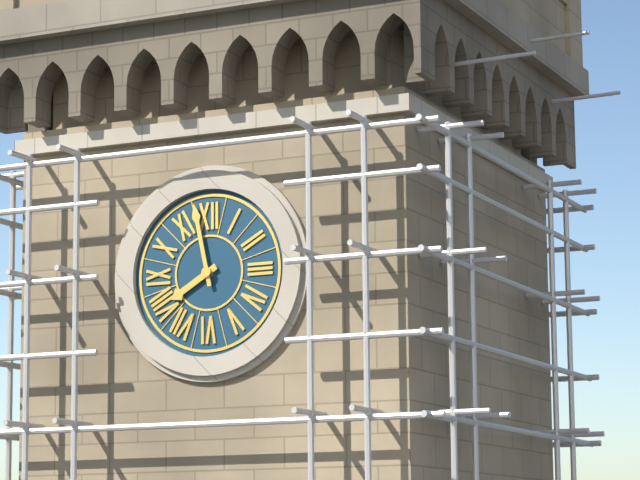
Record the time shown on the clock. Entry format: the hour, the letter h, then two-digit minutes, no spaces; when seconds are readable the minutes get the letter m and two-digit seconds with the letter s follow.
7h58
